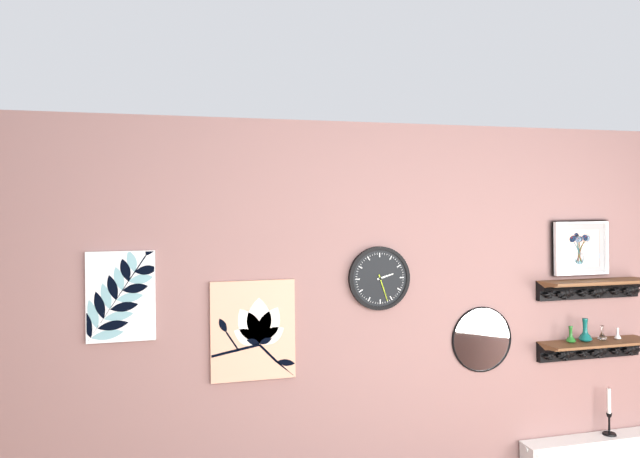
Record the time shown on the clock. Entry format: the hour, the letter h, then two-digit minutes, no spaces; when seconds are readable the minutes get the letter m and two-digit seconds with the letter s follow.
2h27
